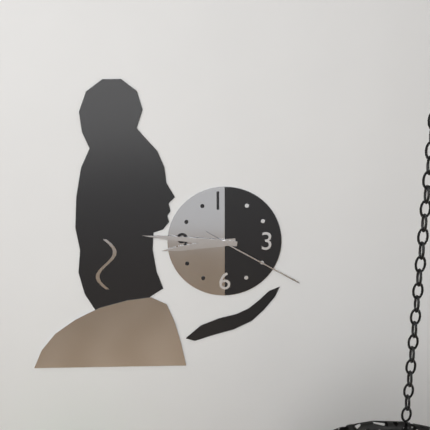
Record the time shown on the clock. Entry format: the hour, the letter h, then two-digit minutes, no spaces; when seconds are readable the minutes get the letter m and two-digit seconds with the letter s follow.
8h46m20s
